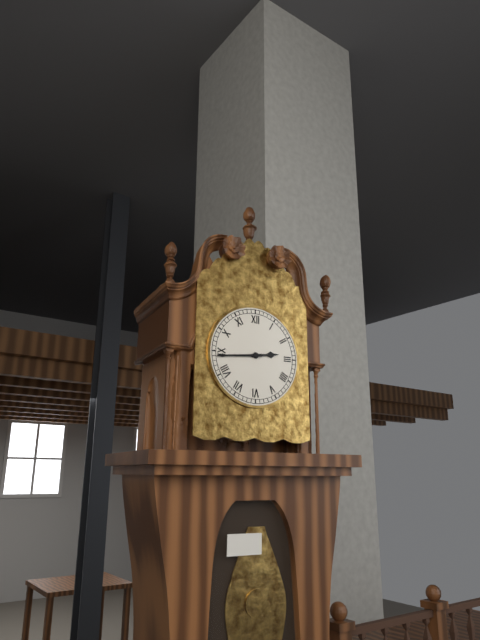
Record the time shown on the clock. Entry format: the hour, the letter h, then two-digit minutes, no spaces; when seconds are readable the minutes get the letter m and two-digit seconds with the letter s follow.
2h44
